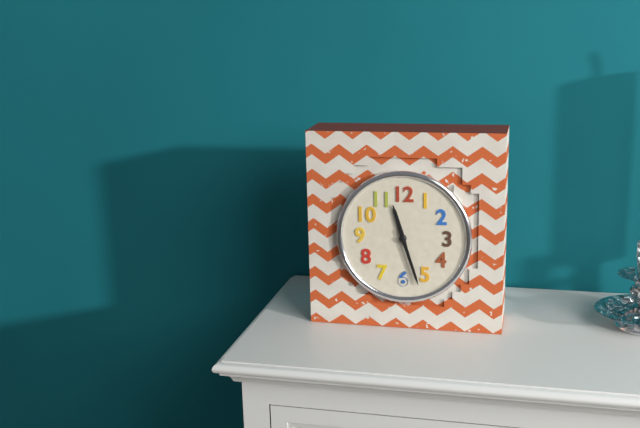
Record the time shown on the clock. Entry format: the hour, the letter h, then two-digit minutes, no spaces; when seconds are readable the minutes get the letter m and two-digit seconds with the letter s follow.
11h27
